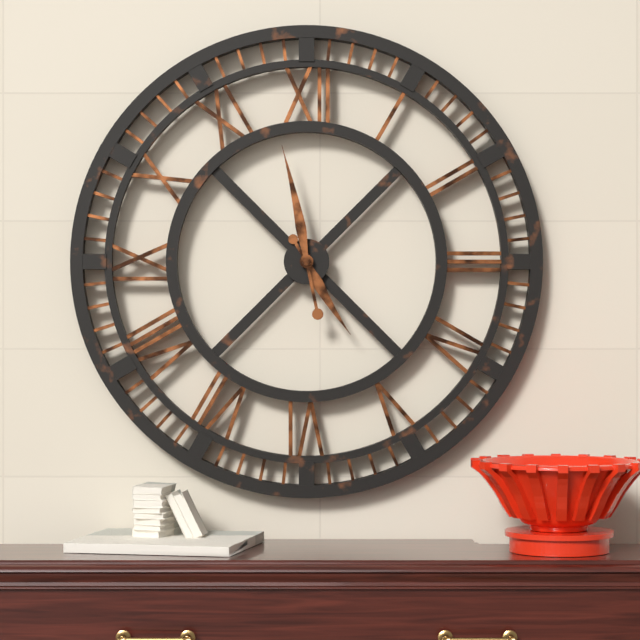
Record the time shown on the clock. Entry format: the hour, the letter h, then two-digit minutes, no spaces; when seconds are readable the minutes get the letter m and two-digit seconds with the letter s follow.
4h58
